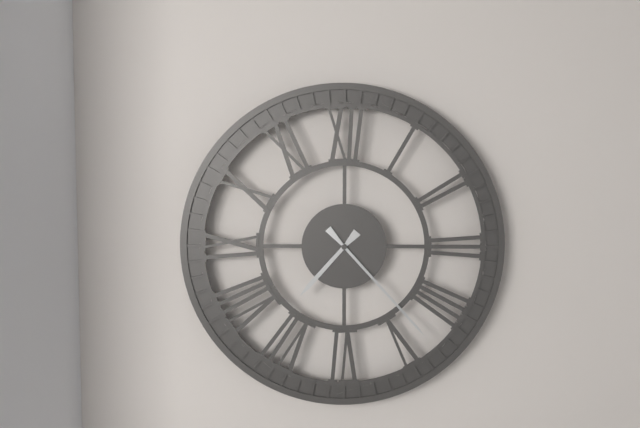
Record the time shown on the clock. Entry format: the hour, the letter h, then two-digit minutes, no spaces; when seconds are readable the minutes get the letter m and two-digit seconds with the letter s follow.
7h23
